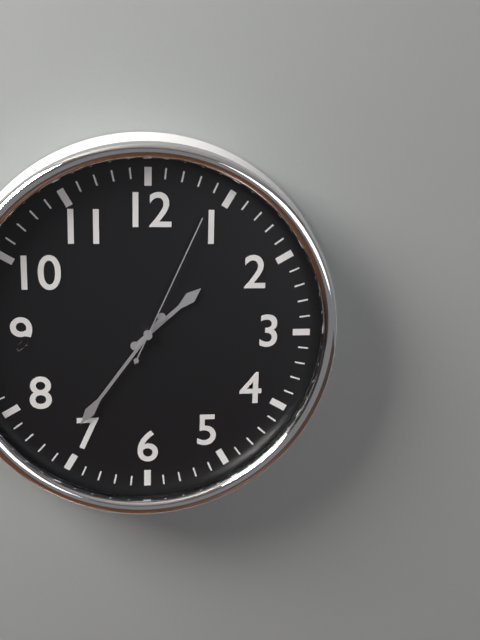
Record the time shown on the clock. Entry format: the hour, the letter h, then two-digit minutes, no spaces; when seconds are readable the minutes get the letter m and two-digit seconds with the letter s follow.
1h36m04s
